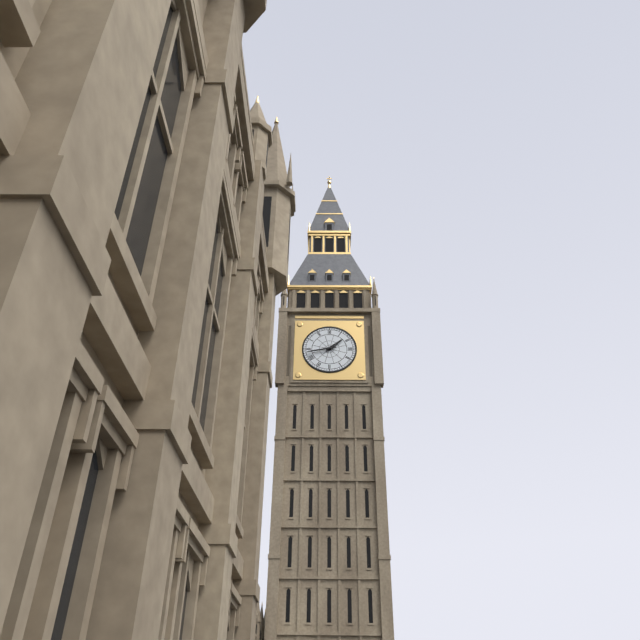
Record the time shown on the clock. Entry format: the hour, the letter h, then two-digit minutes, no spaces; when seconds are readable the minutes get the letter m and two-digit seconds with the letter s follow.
1h43
